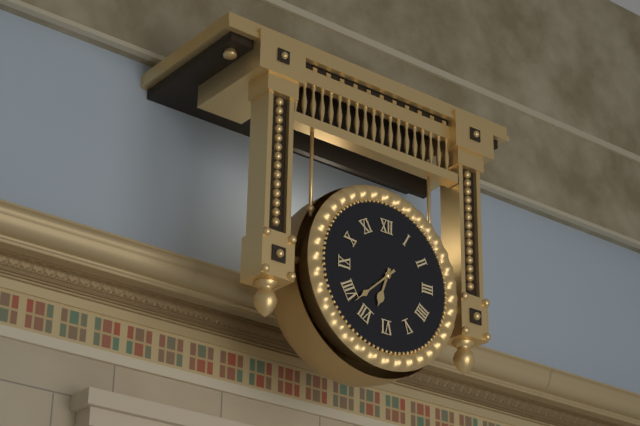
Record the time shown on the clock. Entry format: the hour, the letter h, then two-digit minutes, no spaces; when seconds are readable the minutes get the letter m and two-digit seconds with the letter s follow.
6h38
